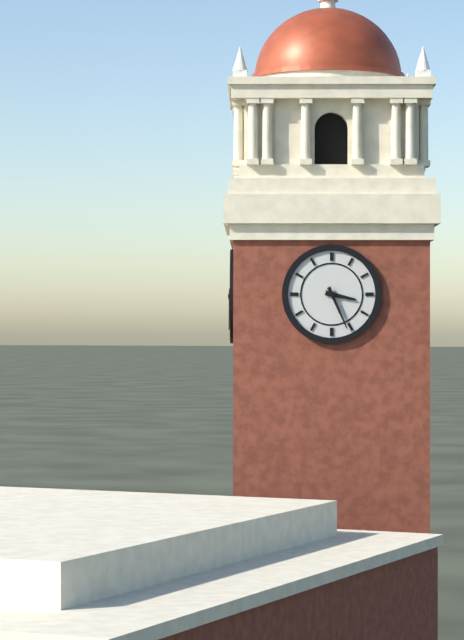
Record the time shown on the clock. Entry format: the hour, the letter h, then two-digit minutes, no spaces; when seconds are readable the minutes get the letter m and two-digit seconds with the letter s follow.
3h26
